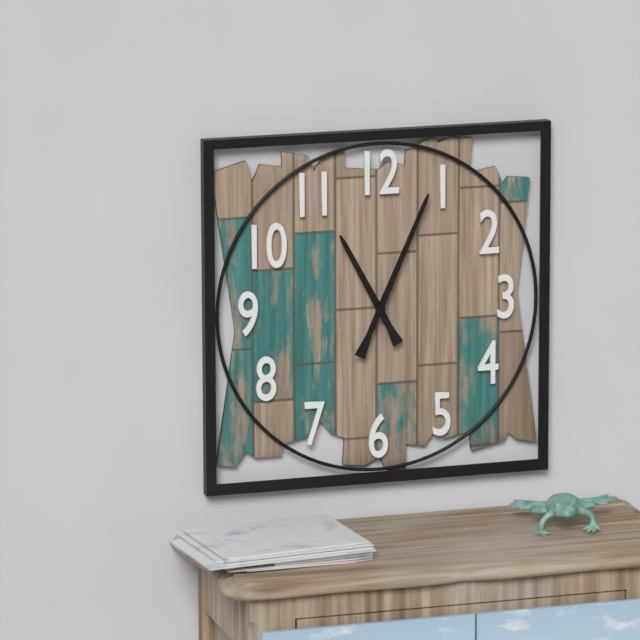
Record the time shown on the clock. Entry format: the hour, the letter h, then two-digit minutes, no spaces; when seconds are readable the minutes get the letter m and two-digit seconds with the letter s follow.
11h04
